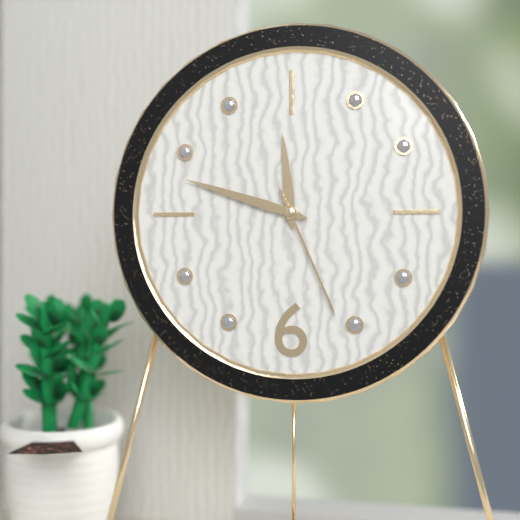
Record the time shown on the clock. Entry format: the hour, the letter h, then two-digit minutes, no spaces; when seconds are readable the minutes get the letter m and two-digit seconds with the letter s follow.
11h48m26s
